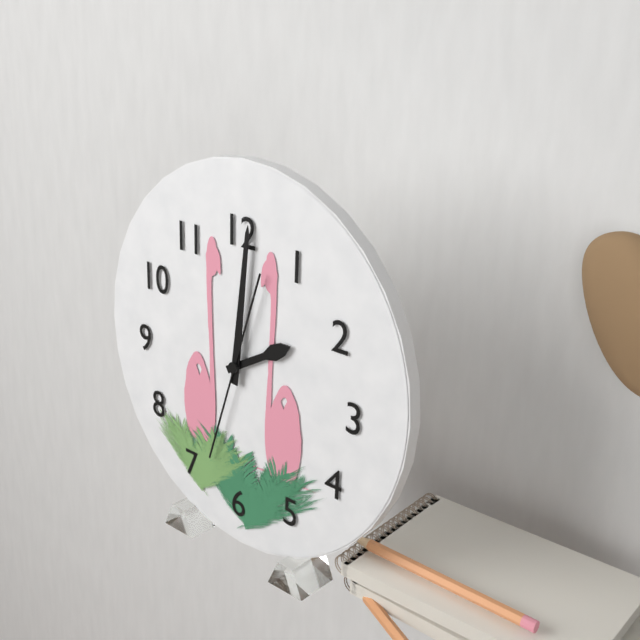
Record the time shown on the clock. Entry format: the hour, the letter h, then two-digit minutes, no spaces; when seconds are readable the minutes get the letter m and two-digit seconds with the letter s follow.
2h01m33s
